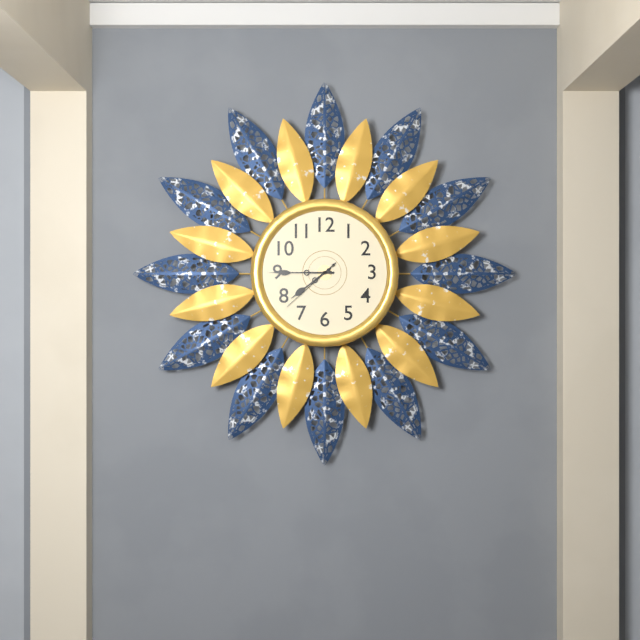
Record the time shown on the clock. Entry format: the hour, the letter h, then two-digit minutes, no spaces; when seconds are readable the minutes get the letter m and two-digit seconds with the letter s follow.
7h45m38s
